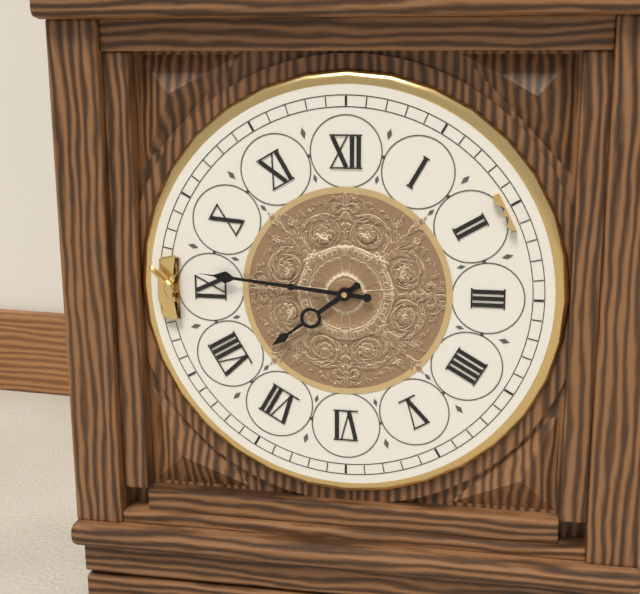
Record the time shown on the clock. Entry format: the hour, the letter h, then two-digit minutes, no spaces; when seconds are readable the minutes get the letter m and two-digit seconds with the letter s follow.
7h46
